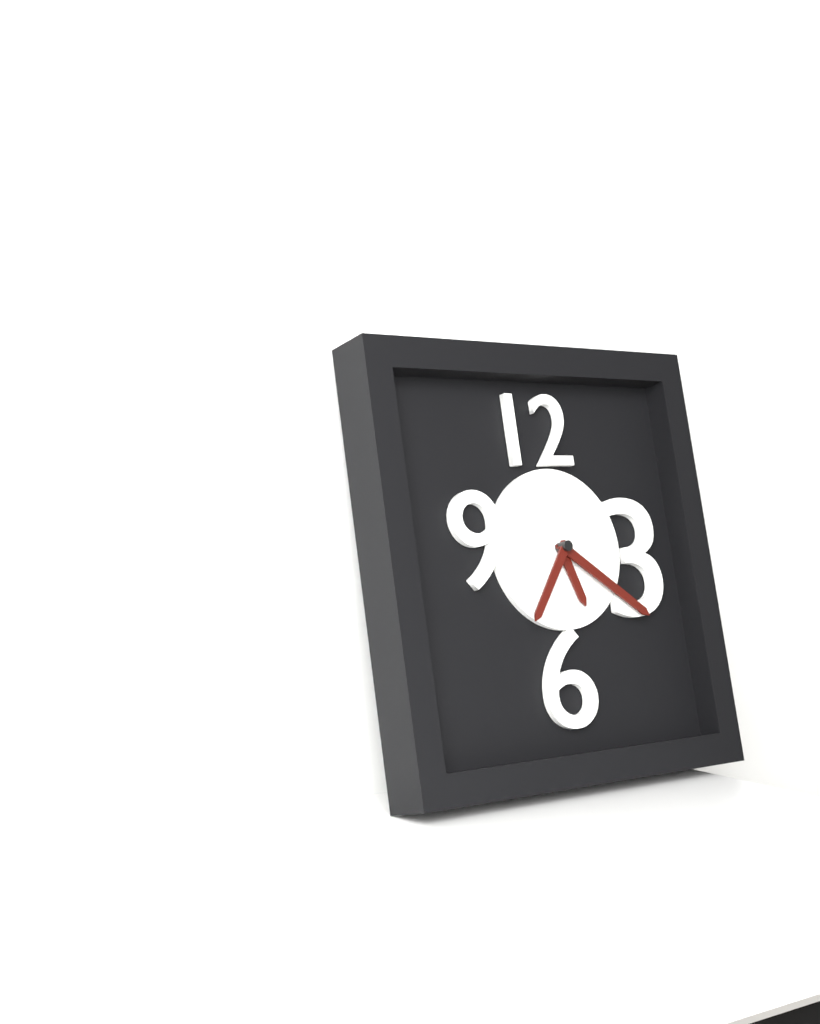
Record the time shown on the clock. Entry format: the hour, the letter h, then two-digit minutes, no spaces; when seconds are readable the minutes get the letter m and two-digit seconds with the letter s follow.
5h21m36s
